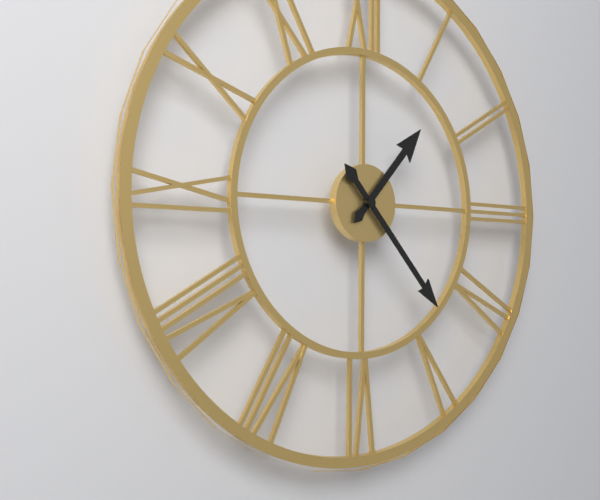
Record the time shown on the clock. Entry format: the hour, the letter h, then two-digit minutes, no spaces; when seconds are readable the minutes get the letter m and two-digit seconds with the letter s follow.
1h23
